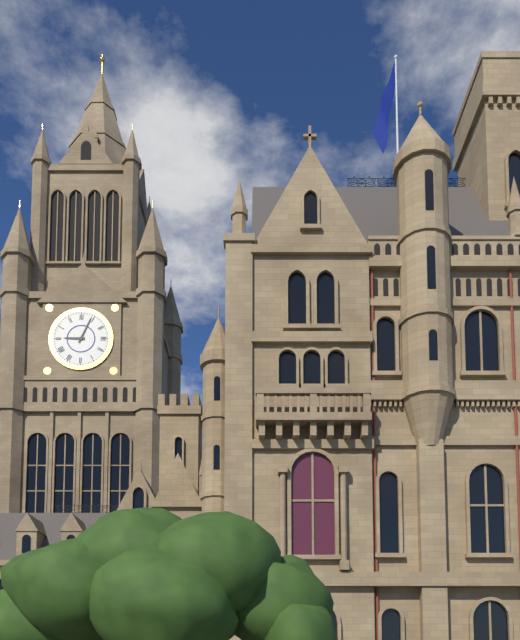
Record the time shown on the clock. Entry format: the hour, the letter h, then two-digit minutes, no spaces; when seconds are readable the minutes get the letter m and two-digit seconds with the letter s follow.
9h04
